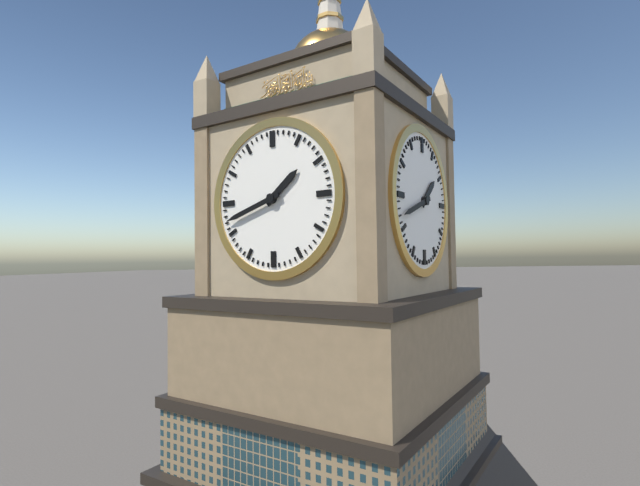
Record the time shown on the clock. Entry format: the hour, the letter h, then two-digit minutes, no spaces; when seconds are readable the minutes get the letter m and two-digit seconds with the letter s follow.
1h42
